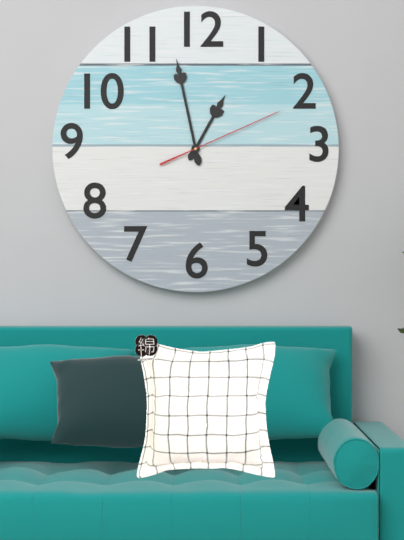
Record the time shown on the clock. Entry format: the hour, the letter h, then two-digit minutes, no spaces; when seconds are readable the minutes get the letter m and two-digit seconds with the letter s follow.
12h58m11s
